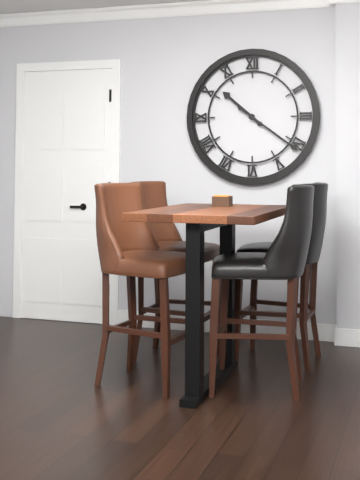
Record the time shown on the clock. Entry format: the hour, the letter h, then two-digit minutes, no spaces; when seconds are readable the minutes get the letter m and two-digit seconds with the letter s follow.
10h21
